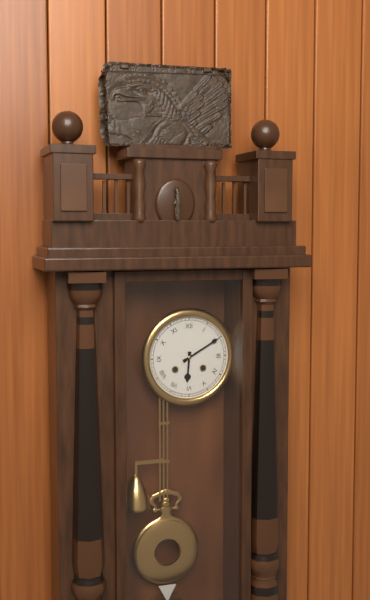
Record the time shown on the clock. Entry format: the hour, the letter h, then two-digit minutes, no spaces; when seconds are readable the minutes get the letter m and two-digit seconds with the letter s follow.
6h10
